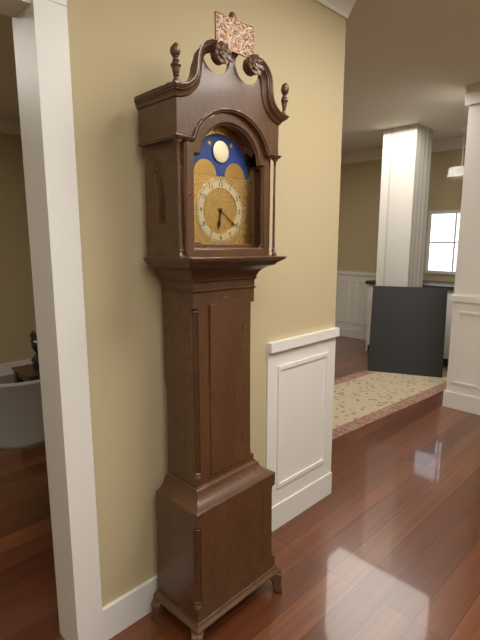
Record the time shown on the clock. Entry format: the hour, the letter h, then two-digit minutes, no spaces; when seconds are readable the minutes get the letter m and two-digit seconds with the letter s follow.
6h21
